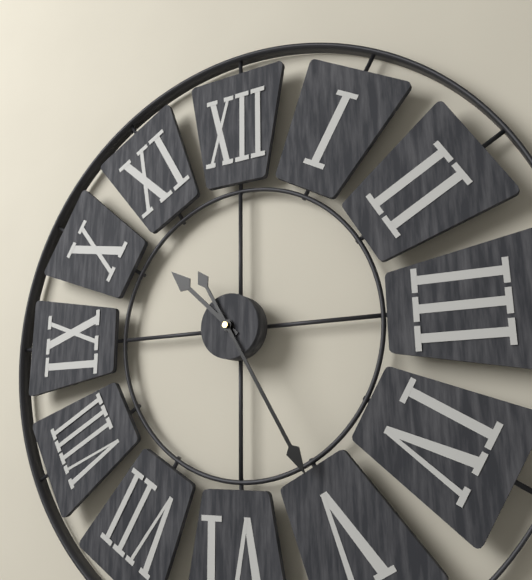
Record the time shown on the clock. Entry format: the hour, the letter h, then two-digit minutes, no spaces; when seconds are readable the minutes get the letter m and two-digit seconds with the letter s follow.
10h25
